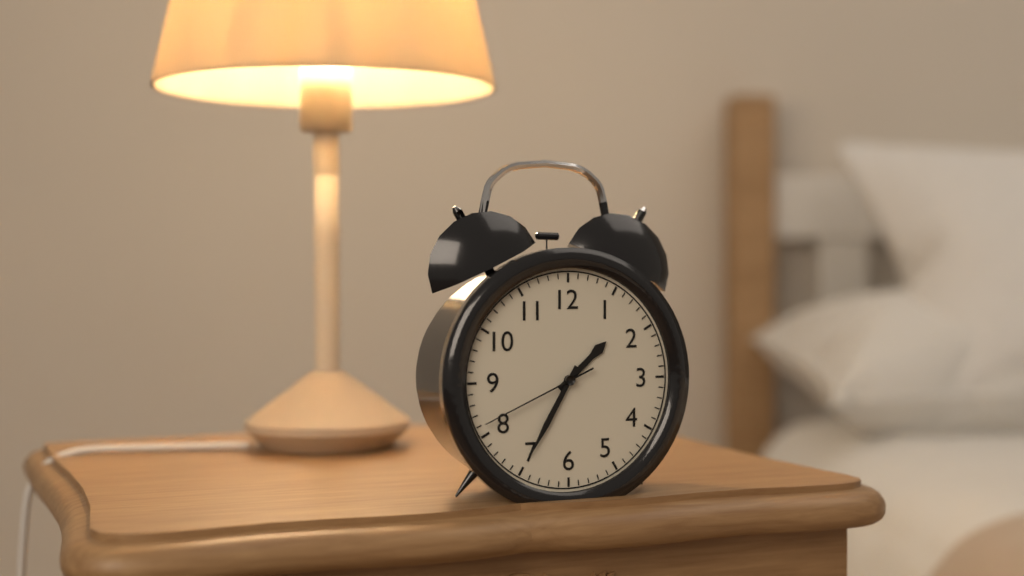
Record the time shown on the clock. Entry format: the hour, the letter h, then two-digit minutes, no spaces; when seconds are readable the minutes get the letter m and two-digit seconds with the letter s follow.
1h35m41s
